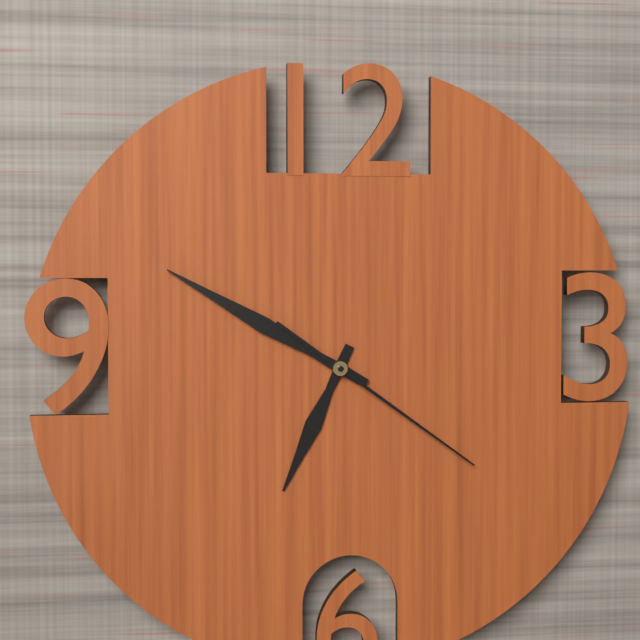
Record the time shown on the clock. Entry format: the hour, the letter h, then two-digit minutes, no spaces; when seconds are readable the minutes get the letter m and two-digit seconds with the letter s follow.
6h50m21s
